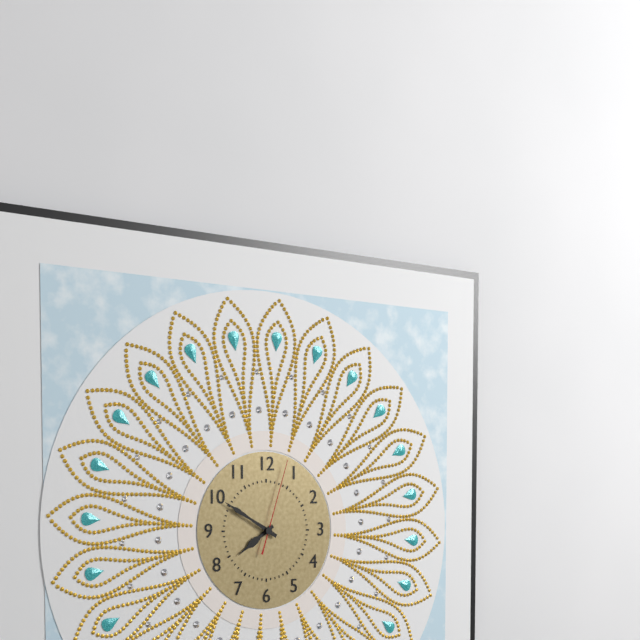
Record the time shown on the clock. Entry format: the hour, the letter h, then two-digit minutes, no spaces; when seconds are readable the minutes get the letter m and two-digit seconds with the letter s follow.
7h50m03s
